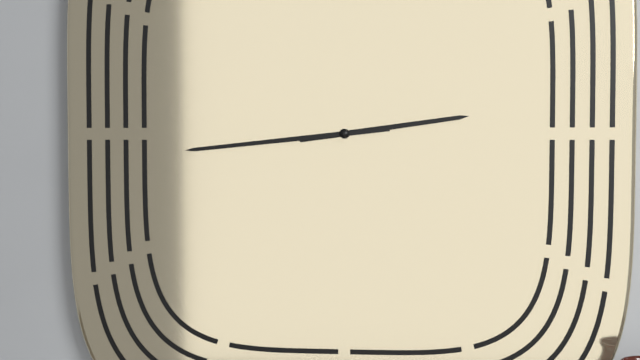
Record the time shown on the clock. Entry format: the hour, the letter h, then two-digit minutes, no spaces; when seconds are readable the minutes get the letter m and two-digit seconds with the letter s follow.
2h44
